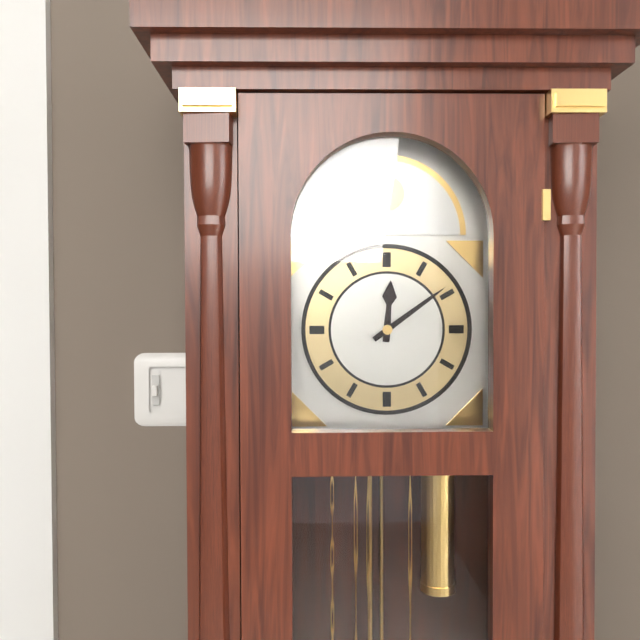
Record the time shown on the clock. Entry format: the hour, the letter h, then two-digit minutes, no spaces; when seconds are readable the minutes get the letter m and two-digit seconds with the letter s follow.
12h09
